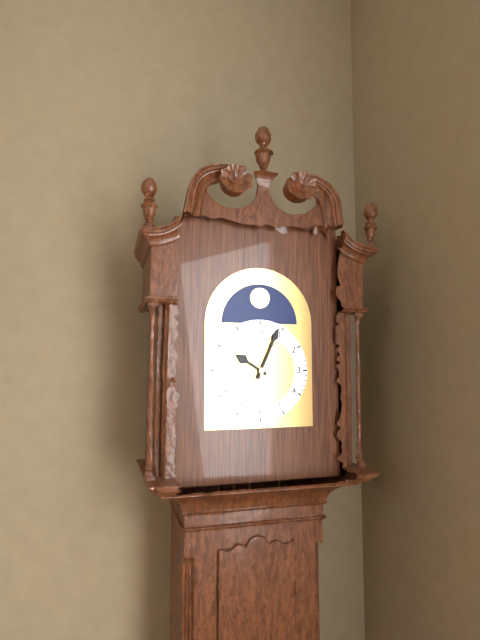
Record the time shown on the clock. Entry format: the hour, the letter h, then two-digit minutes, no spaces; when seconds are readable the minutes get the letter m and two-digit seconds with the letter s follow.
10h04
